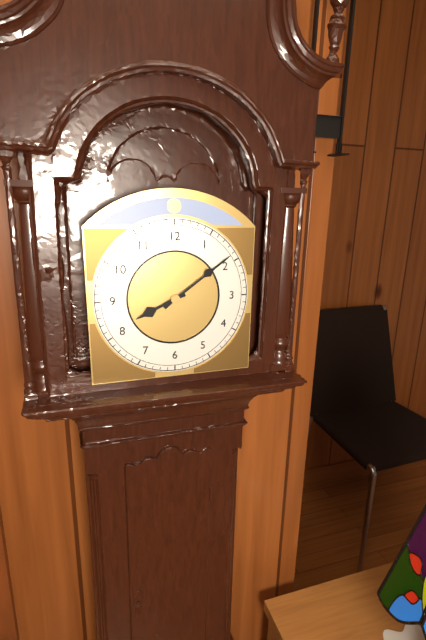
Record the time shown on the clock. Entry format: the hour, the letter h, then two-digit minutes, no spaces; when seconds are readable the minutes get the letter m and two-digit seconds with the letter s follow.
8h09
